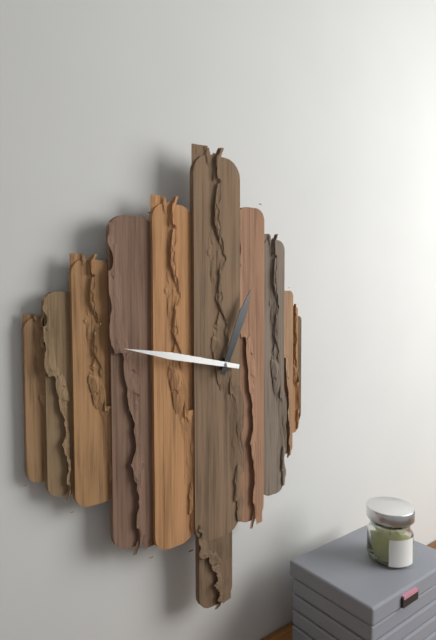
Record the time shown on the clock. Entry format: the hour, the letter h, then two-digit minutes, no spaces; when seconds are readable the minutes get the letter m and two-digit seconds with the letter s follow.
12h47
